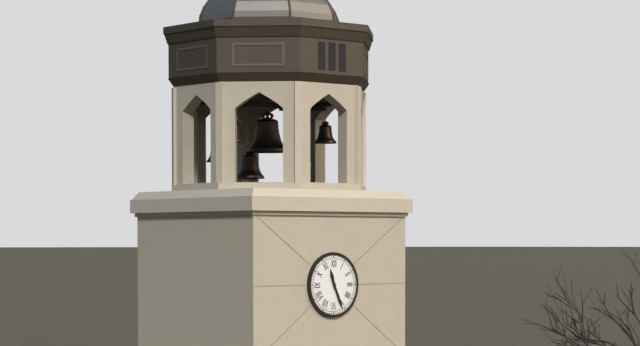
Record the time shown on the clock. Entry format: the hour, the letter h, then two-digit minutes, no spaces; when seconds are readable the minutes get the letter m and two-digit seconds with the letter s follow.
11h26
